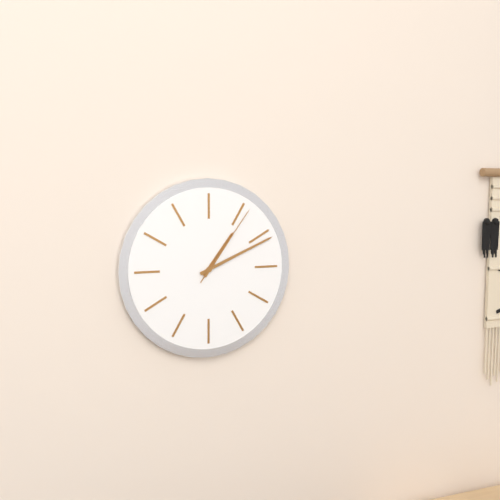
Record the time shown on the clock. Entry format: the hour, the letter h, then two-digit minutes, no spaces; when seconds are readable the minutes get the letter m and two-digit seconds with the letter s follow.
1h11m06s
